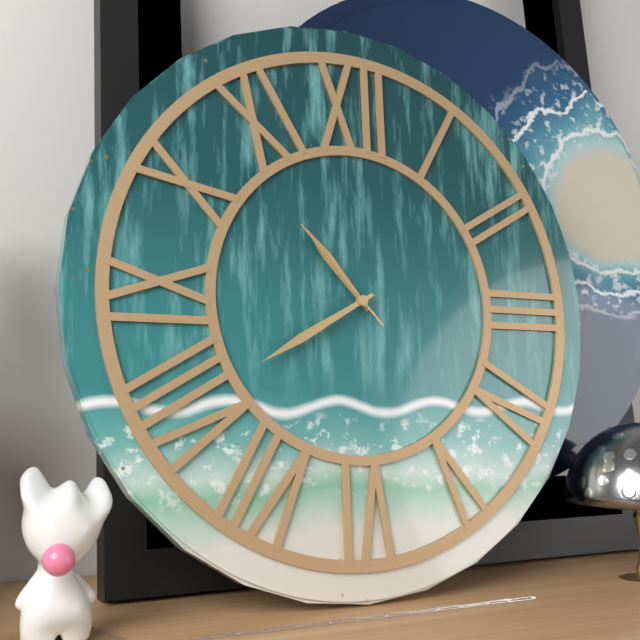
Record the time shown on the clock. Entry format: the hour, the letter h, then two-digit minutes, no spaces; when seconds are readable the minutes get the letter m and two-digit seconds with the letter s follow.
10h40m53s
